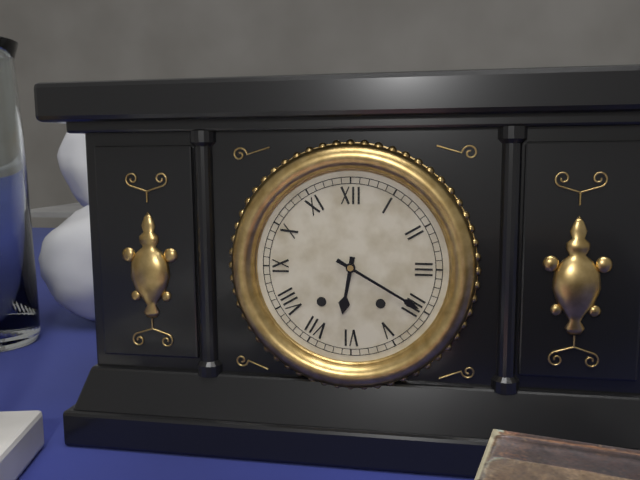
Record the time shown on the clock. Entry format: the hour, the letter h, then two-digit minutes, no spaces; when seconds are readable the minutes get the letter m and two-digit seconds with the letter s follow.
6h20
